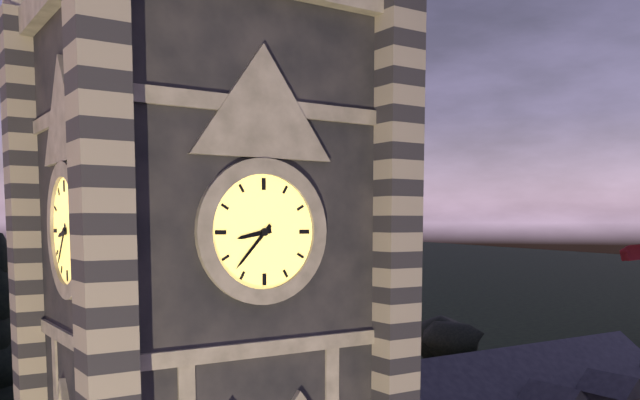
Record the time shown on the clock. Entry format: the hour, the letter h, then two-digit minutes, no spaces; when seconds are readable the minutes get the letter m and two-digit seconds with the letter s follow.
8h37
